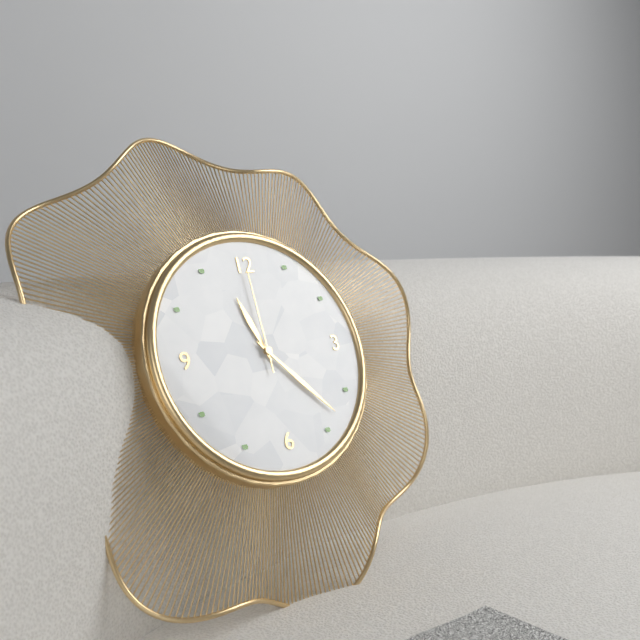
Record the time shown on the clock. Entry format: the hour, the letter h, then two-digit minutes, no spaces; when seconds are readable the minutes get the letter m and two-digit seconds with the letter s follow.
11h23m00s
